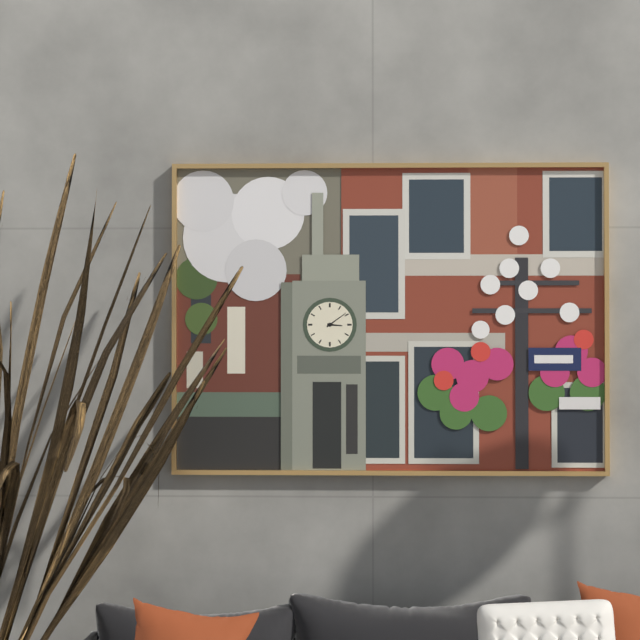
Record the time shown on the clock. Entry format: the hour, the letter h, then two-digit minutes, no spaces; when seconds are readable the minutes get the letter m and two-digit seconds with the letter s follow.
3h09
